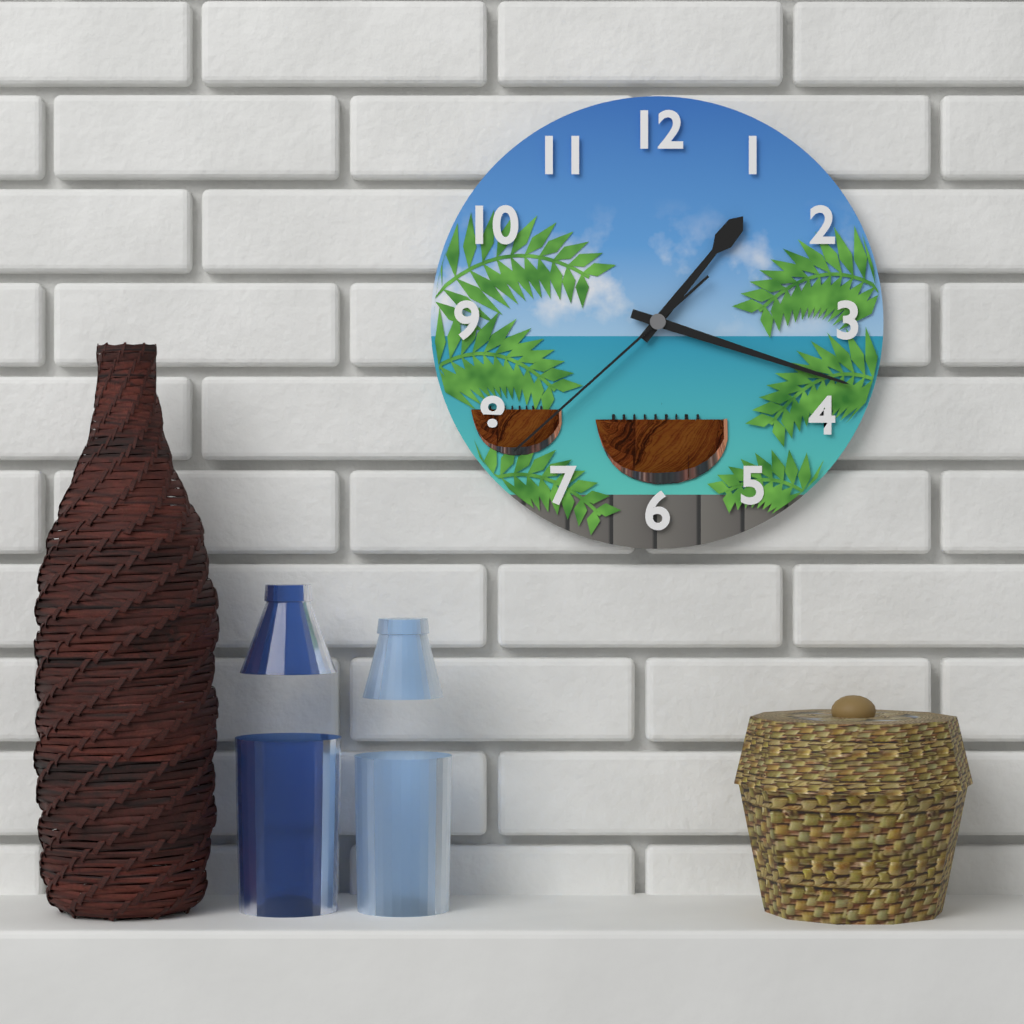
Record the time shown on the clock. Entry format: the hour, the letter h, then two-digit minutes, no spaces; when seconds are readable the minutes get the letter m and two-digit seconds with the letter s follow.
1h18m38s
